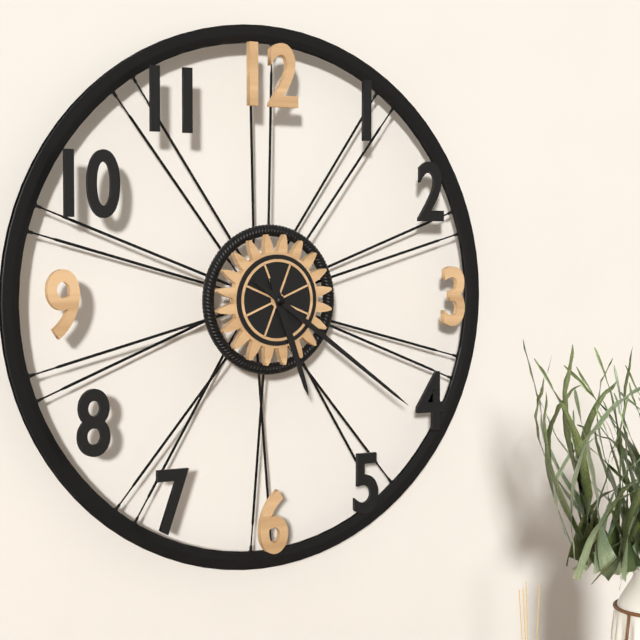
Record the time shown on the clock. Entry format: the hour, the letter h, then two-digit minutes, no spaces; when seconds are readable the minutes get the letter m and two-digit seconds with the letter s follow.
5h21
